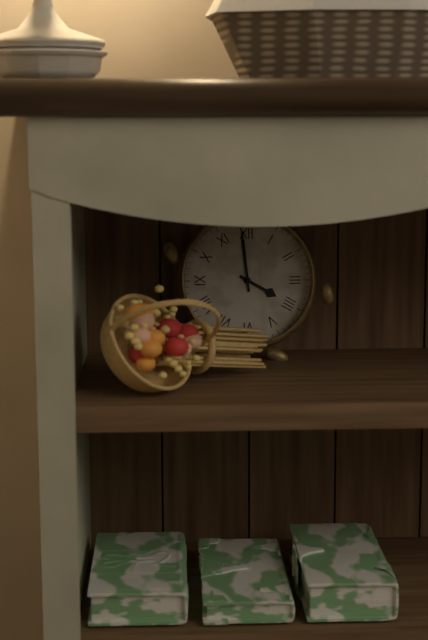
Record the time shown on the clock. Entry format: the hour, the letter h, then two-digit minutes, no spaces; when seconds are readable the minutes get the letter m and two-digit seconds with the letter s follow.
3h59
